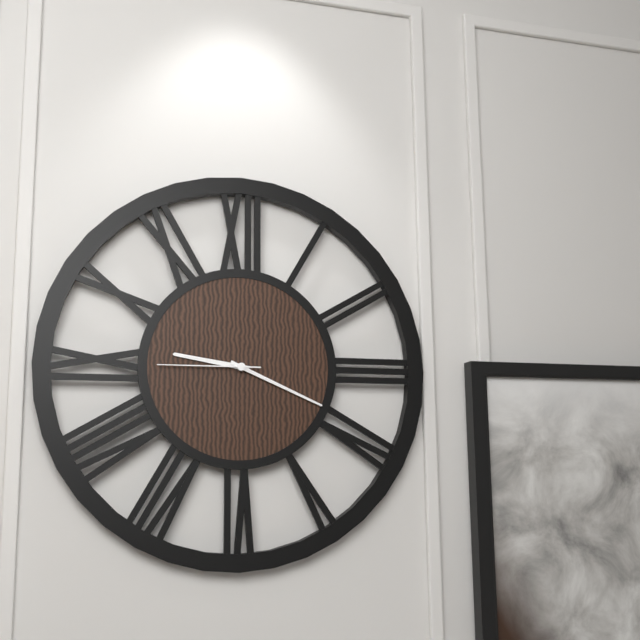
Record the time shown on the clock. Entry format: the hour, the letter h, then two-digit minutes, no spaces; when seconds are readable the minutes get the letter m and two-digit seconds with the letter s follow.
9h19m45s
